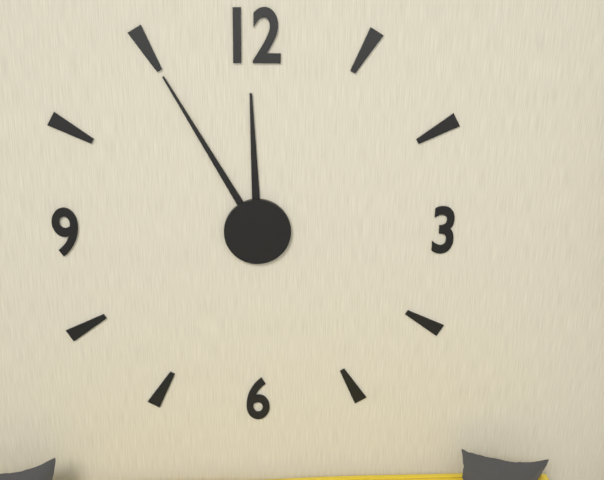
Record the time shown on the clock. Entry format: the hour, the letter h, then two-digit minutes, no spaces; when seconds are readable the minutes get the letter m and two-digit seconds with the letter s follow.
11h55
